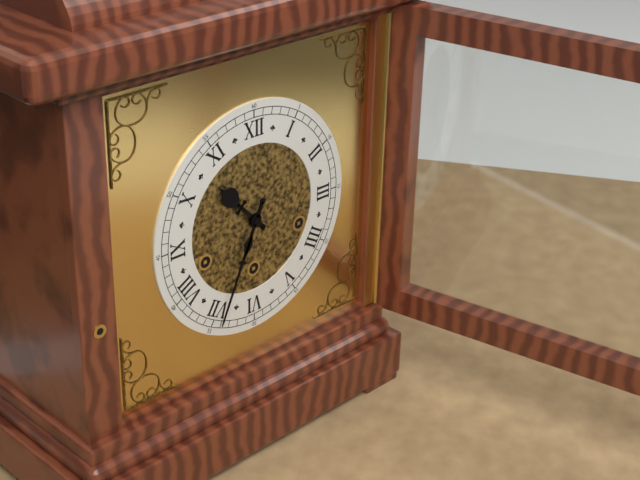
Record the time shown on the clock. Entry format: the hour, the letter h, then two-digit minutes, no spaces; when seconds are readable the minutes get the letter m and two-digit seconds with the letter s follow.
10h34
